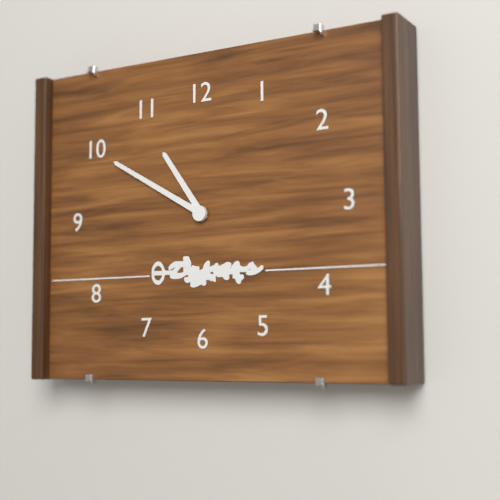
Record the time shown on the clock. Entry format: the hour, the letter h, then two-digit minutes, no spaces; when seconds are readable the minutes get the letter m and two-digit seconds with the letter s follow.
10h50
